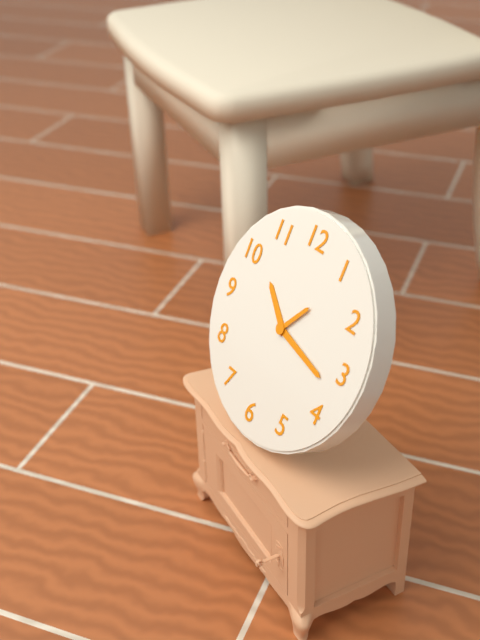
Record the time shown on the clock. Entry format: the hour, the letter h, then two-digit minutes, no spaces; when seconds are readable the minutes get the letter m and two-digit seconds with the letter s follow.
10h17
